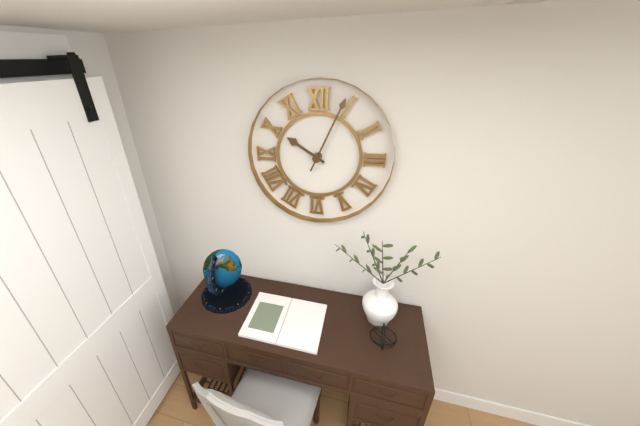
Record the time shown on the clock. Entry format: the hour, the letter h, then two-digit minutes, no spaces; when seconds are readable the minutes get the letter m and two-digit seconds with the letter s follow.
10h04
